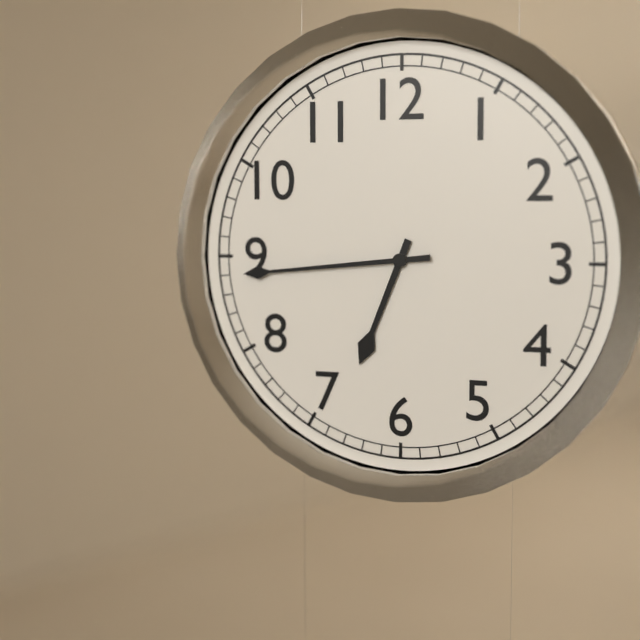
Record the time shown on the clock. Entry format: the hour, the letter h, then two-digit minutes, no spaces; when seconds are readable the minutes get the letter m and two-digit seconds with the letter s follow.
6h44
